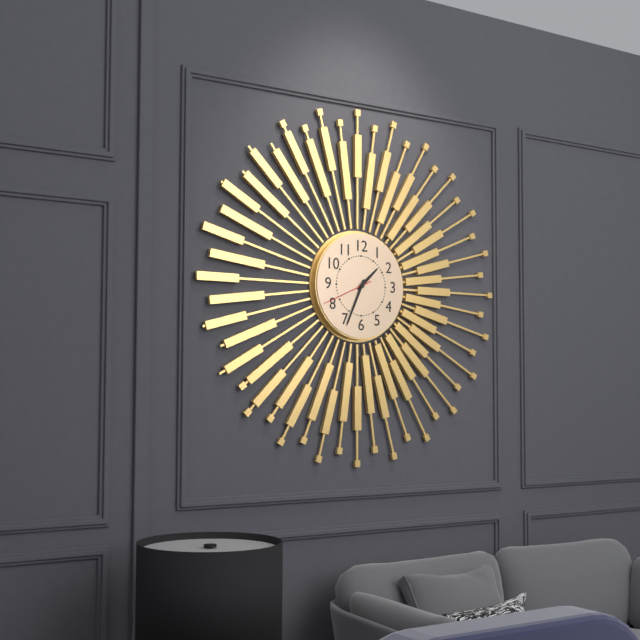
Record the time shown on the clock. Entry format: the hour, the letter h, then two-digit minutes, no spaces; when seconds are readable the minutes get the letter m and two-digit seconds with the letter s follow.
1h34
